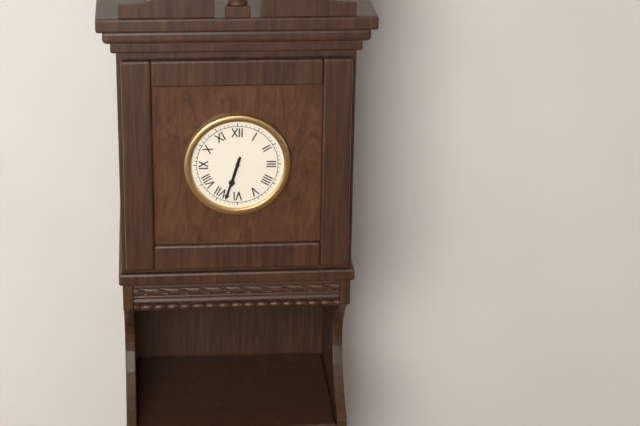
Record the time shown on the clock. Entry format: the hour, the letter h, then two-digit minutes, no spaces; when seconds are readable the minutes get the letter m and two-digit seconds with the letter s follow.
6h33
